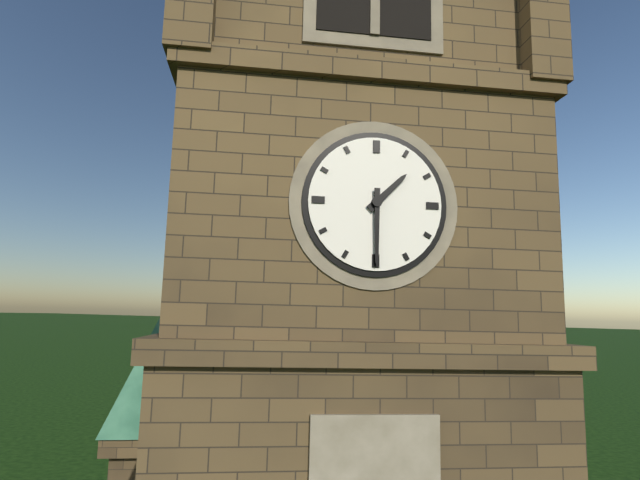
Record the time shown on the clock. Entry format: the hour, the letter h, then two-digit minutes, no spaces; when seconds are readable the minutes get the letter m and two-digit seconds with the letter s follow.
1h30
